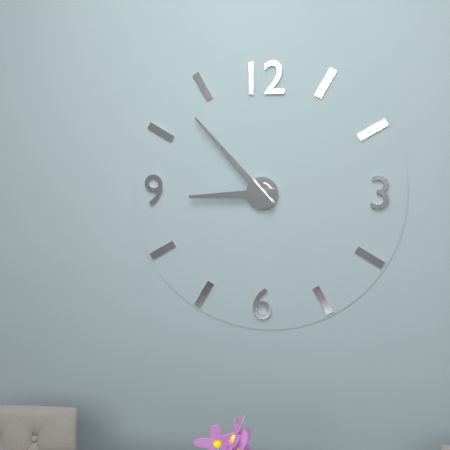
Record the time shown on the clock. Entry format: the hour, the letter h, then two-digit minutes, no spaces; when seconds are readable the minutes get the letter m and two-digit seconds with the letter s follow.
8h53
